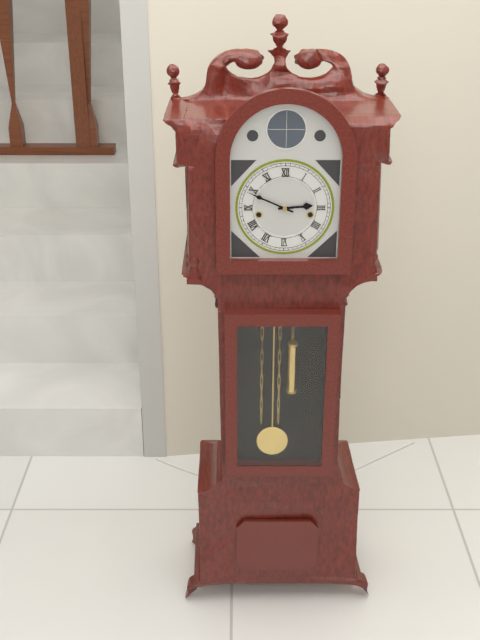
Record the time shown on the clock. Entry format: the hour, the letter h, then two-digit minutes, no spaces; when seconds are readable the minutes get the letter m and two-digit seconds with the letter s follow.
2h49
